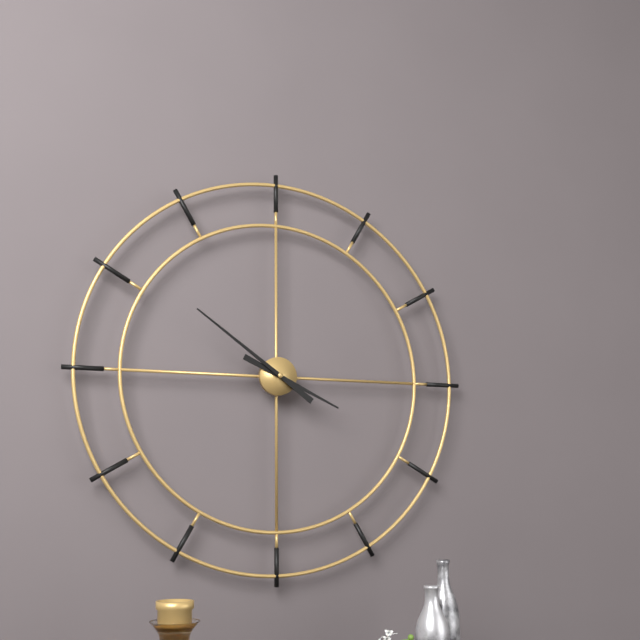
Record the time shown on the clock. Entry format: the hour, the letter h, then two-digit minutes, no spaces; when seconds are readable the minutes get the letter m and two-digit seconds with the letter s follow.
3h51
